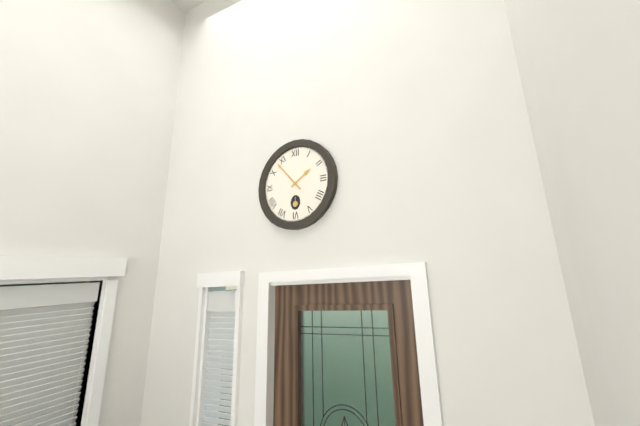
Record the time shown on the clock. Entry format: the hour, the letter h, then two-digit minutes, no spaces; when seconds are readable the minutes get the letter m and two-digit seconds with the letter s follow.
1h53
